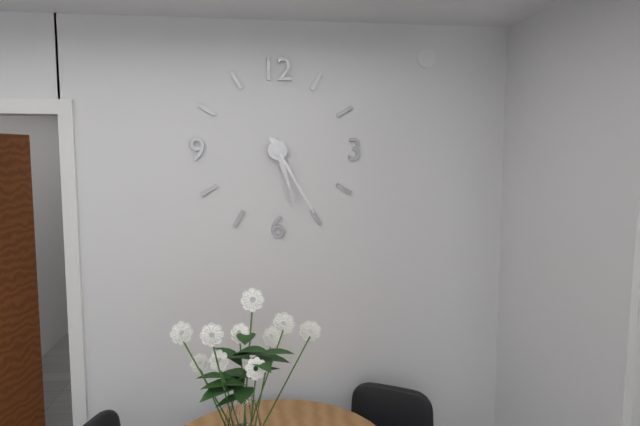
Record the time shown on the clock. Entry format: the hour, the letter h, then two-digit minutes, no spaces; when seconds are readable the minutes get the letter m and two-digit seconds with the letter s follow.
5h25
